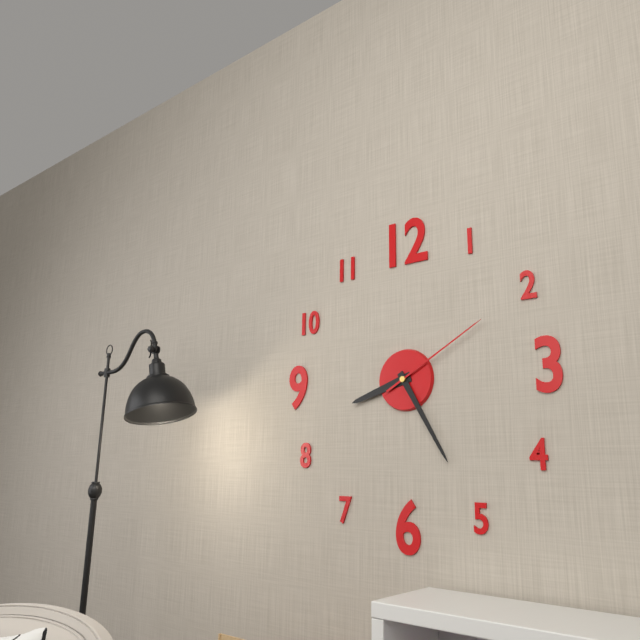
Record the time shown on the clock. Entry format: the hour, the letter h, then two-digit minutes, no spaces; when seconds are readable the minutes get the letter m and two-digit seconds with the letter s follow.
8h25m10s
